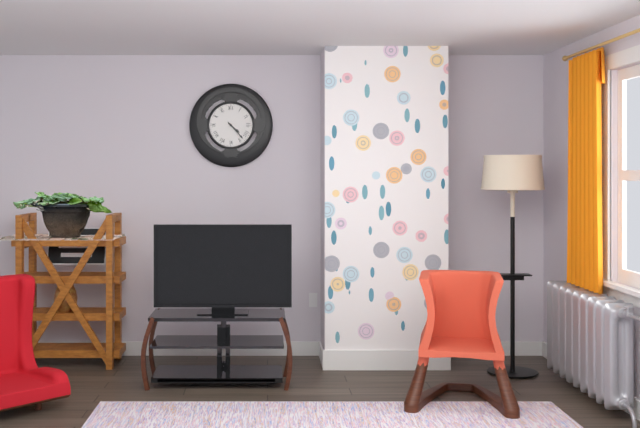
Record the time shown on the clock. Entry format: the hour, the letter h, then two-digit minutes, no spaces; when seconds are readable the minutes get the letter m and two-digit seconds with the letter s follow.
4h23
